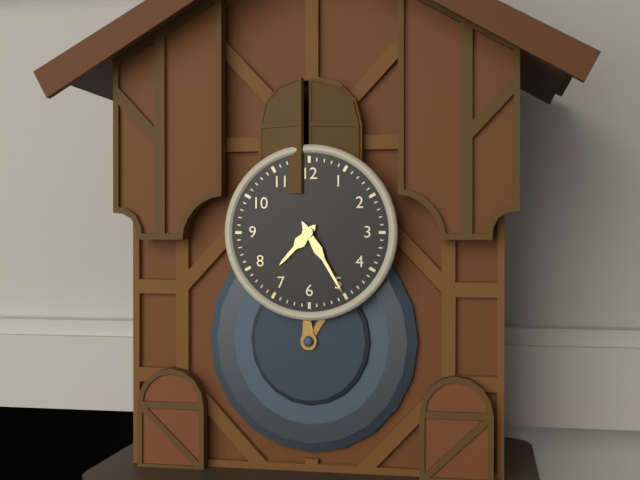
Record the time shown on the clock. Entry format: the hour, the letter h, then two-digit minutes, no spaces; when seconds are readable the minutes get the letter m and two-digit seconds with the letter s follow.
7h25
